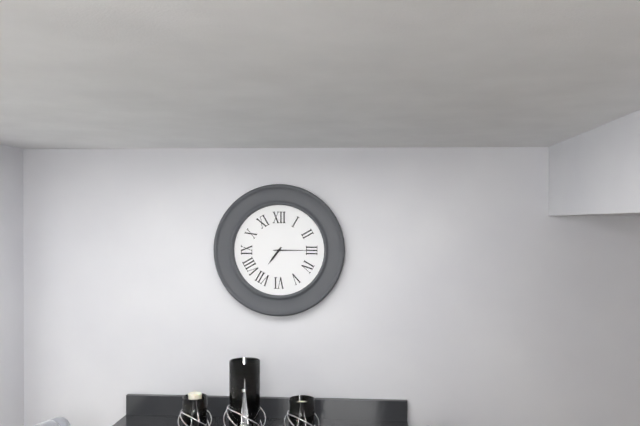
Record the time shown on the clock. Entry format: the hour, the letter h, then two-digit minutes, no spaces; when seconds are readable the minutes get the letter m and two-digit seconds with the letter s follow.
7h15
